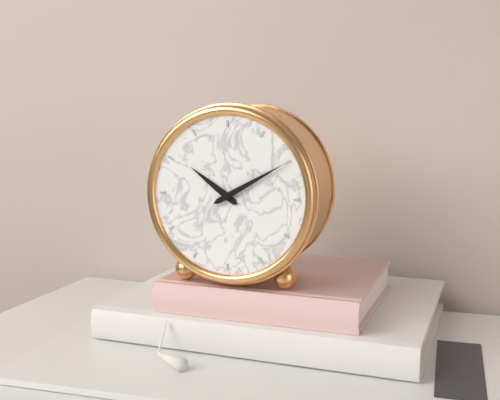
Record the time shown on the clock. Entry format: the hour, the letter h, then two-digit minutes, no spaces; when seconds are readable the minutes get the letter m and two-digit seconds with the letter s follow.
10h10
